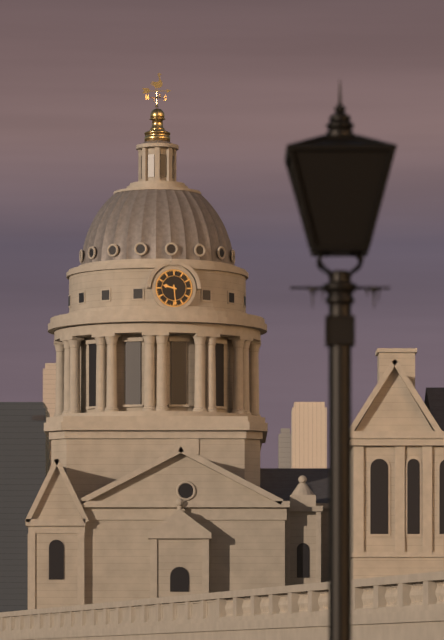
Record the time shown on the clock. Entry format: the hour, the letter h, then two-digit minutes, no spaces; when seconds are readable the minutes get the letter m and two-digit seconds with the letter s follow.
9h29
